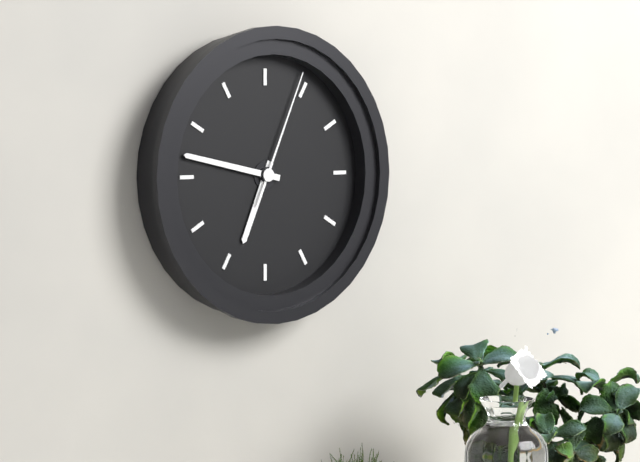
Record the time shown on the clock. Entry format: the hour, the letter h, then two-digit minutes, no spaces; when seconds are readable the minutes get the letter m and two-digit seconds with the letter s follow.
6h47m04s
